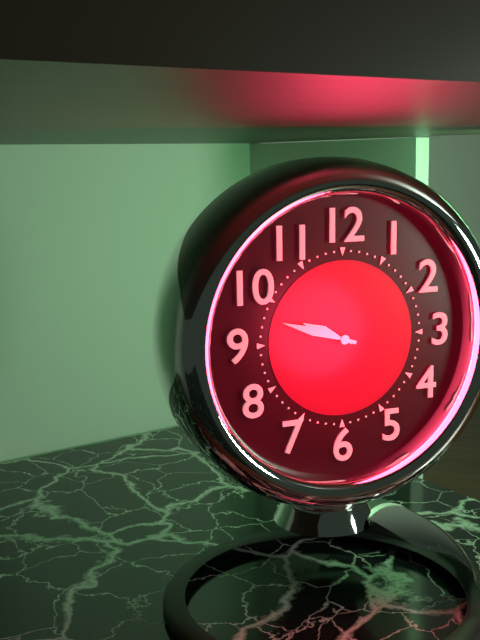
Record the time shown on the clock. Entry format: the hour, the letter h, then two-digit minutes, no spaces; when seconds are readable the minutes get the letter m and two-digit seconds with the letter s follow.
9h48
